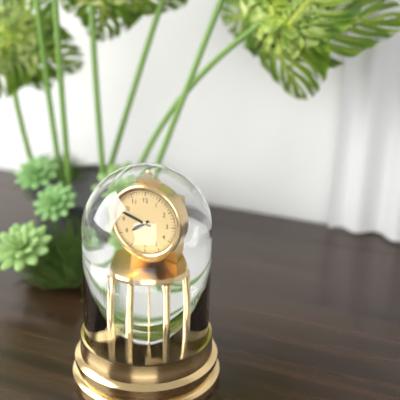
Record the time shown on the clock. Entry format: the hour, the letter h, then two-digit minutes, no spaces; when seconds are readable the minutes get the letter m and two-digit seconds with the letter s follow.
7h48
